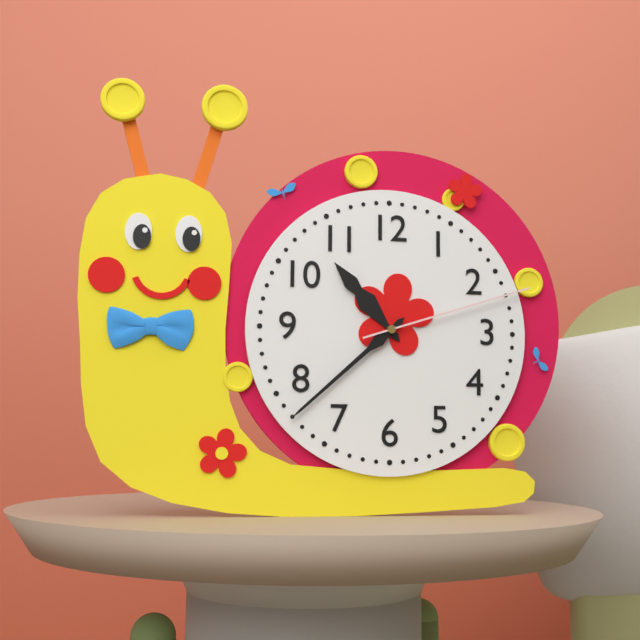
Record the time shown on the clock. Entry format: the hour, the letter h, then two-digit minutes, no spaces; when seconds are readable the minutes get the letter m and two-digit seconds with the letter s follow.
10h38m12s
